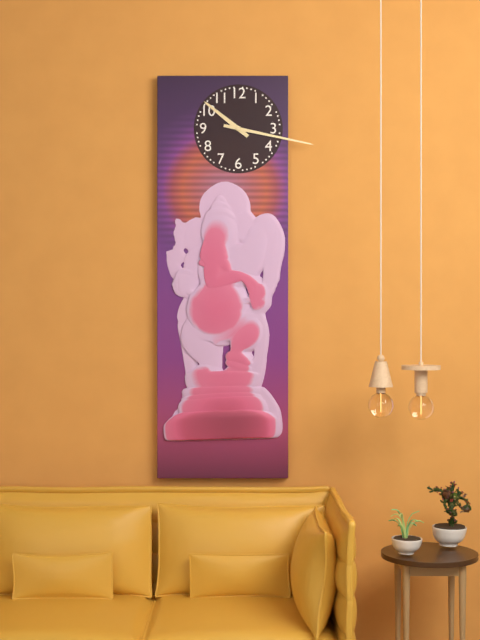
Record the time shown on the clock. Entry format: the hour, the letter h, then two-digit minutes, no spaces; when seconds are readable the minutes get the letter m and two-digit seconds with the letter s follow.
10h17
